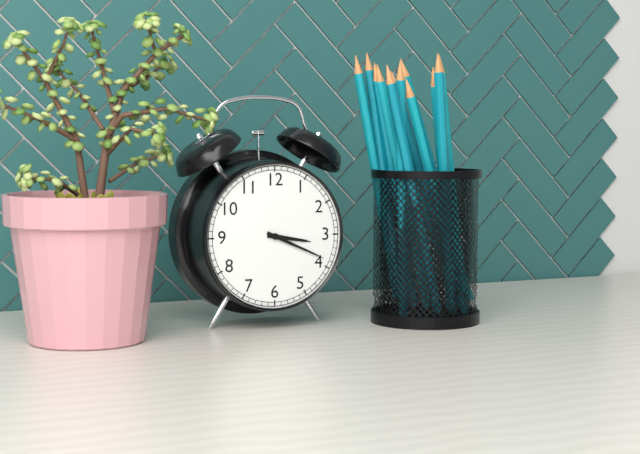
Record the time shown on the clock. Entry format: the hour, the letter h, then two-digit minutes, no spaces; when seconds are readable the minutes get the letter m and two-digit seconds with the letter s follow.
3h19
